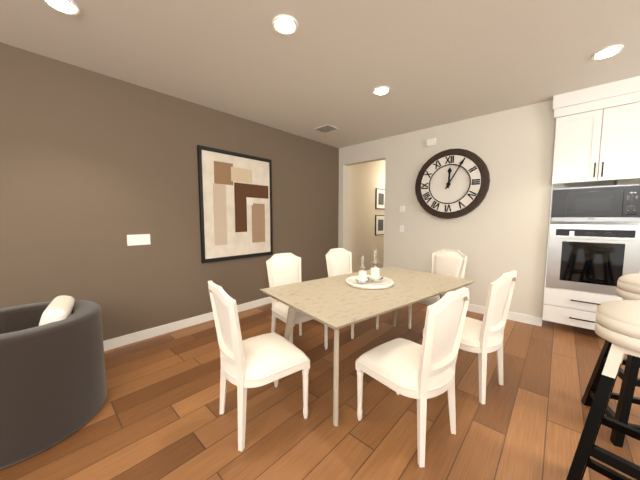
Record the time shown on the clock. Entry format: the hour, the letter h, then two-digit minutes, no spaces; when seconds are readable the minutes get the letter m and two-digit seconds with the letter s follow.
12h05
